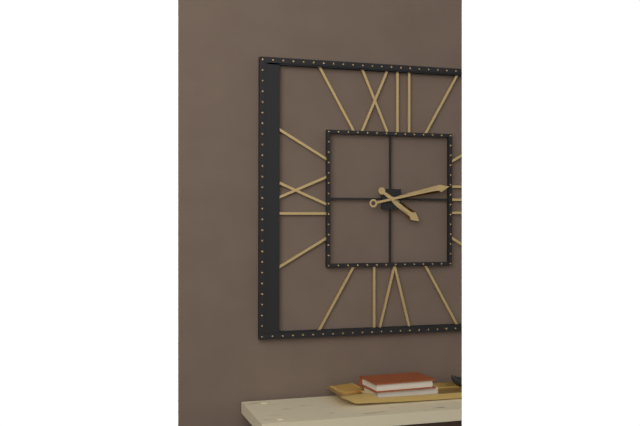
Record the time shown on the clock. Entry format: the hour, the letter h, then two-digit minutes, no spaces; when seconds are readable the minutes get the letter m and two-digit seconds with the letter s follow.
4h13
